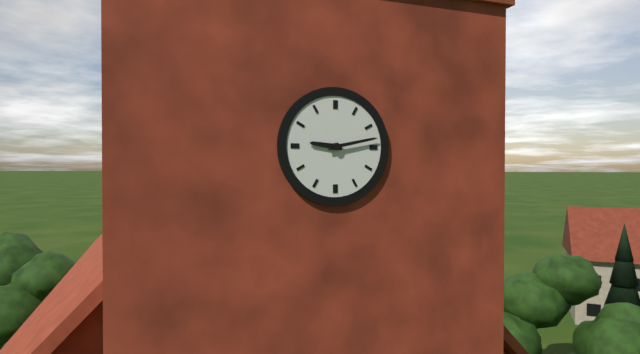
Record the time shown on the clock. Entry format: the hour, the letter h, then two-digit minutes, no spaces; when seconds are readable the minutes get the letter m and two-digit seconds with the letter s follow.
9h13
